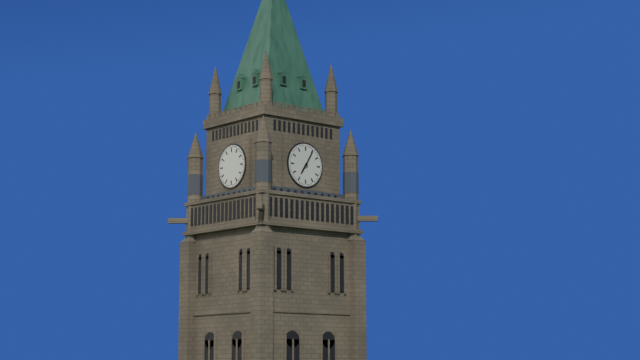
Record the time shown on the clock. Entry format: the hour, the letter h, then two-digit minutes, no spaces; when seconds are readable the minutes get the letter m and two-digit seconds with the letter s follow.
7h05
